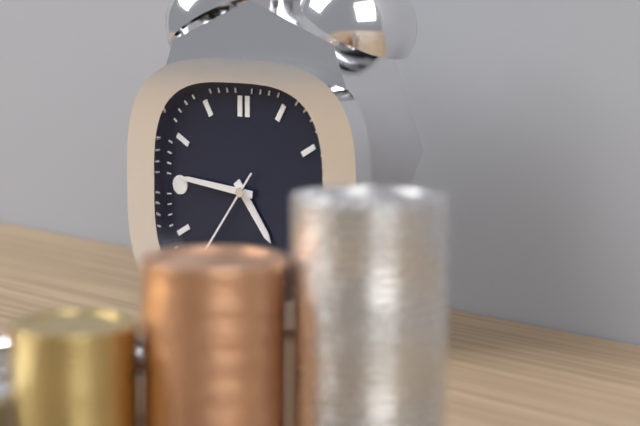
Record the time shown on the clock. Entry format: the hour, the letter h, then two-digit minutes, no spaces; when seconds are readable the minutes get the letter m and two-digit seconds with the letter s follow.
4h46m36s
